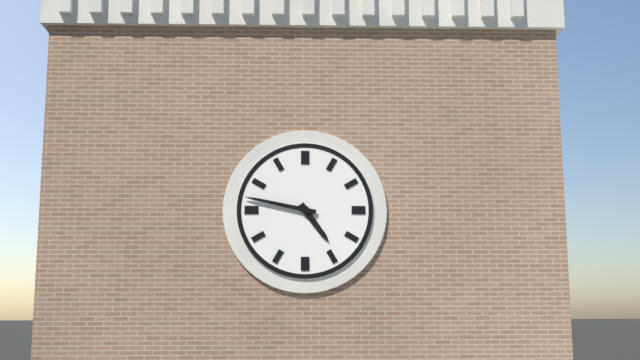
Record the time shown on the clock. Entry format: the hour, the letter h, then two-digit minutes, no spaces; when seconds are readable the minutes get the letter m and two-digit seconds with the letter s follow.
4h47
